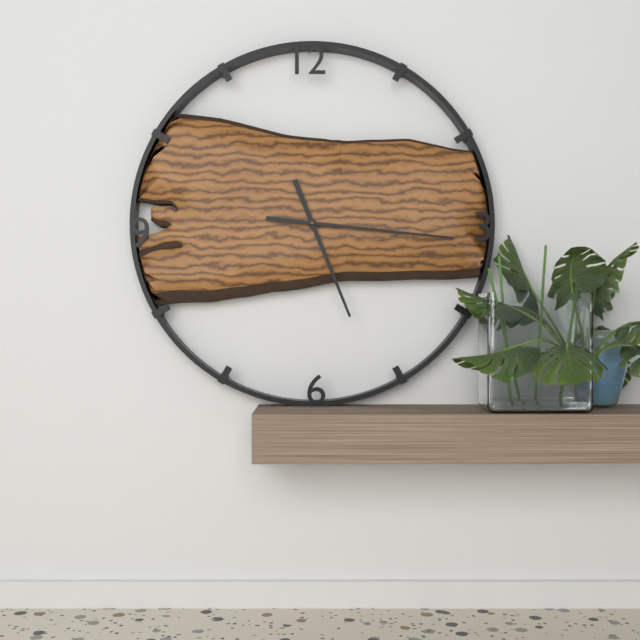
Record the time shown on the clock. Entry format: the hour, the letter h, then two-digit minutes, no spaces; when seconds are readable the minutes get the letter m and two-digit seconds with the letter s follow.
5h16
